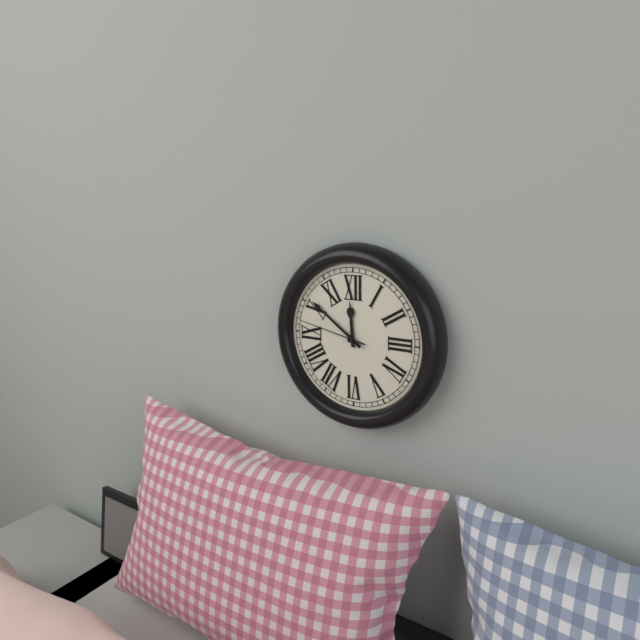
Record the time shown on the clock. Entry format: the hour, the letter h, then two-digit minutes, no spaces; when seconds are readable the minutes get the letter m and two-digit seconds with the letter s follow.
11h51m47s
